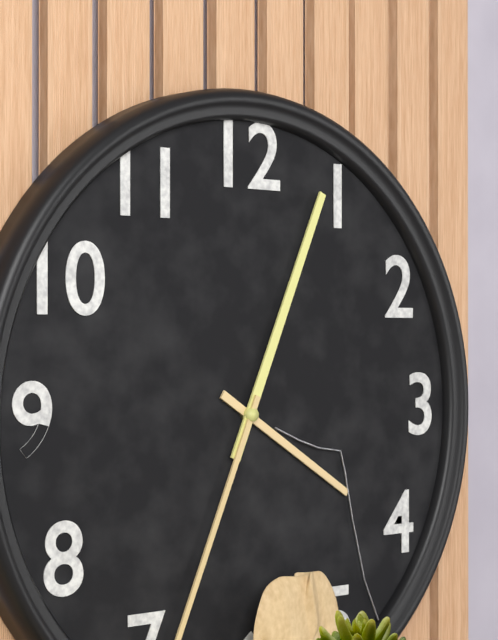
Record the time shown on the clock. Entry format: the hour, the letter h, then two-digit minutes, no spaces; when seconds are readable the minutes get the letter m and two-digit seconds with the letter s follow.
4h04
